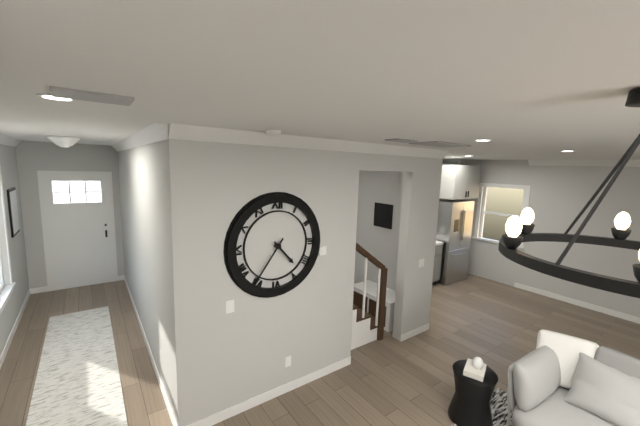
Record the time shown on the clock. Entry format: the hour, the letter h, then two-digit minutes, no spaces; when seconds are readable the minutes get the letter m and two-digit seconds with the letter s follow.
4h36
